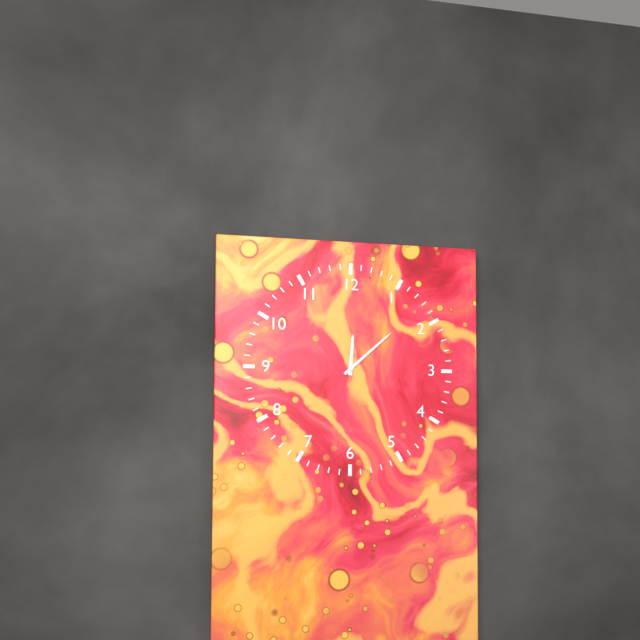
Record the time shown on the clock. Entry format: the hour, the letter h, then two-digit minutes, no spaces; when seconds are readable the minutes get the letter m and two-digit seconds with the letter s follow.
12h08
